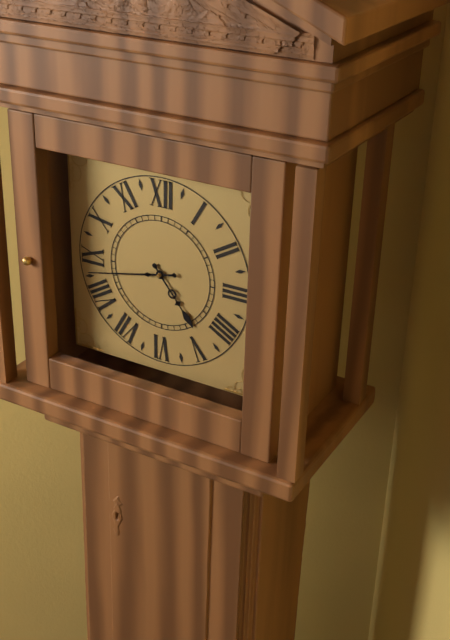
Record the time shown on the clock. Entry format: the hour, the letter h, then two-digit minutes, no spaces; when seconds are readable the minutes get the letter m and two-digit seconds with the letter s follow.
4h43
